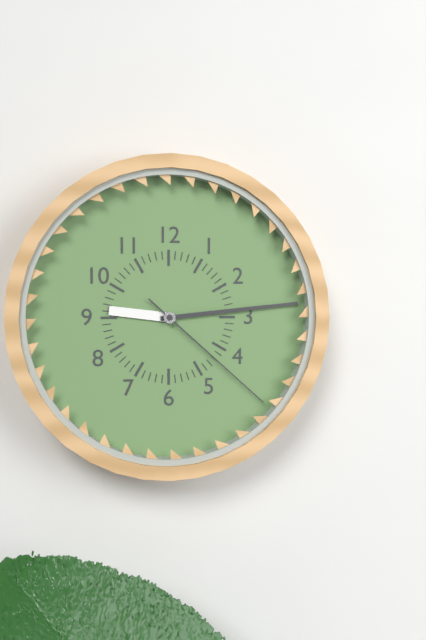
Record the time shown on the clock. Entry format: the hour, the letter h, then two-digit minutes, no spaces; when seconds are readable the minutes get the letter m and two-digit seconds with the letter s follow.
9h14m22s
